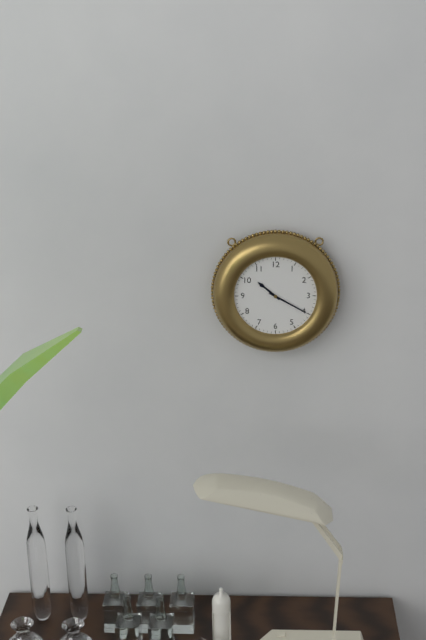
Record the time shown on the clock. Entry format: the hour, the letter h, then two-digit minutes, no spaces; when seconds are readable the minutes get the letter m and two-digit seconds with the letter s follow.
10h20
